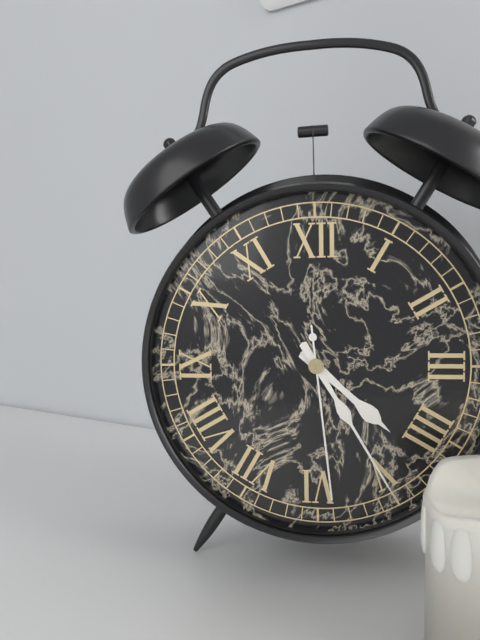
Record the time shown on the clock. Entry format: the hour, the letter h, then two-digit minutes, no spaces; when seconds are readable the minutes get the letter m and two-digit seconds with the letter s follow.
4h25m29s
